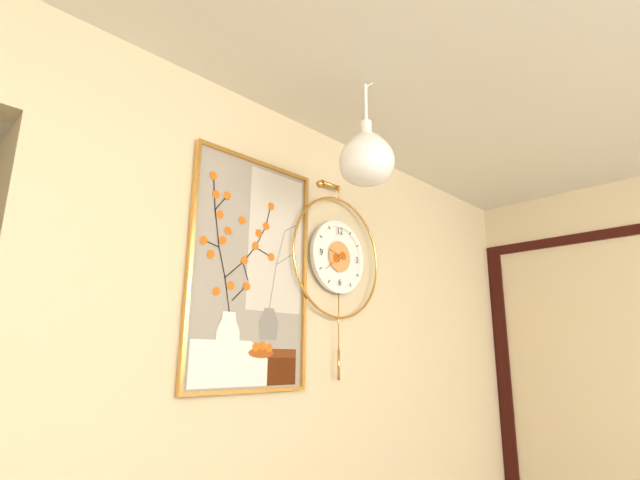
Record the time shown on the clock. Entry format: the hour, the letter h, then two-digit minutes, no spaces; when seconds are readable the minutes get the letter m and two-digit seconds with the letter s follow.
9h39
